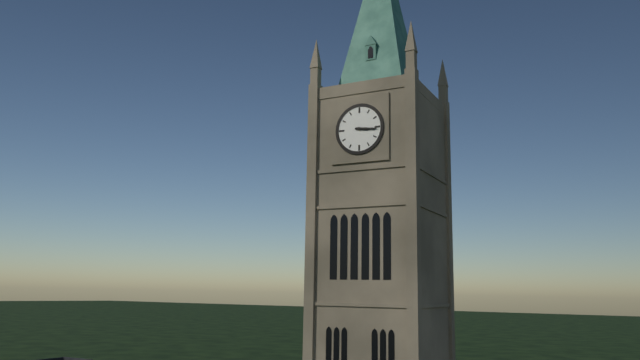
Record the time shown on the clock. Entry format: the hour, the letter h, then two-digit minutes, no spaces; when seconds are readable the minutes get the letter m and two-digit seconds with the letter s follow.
3h16
